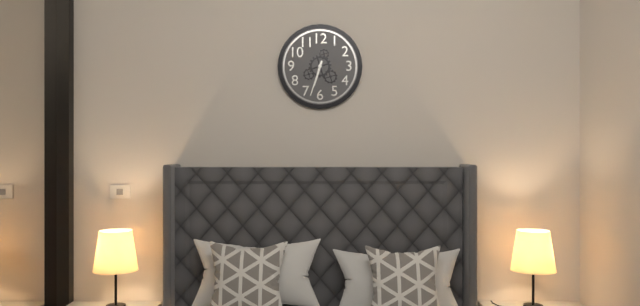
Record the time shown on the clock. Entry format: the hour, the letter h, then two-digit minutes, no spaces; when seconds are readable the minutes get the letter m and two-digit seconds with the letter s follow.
6h33
